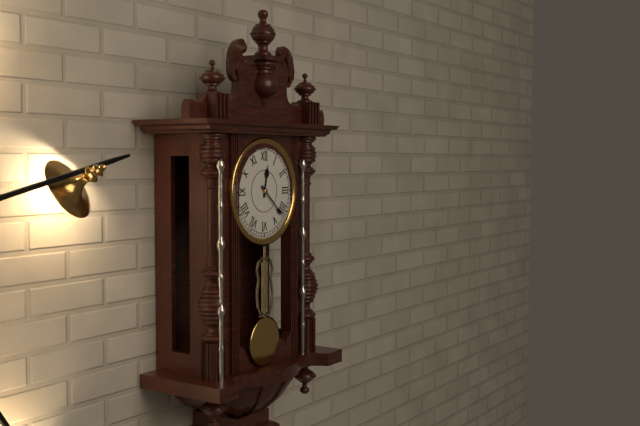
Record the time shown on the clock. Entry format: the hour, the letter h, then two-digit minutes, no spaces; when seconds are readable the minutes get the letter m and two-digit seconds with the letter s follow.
12h22
